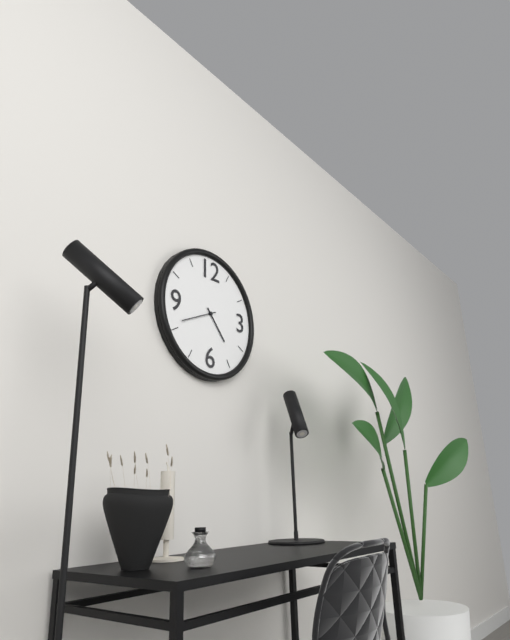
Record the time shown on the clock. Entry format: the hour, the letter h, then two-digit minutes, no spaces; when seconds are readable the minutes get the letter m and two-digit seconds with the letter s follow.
4h41
